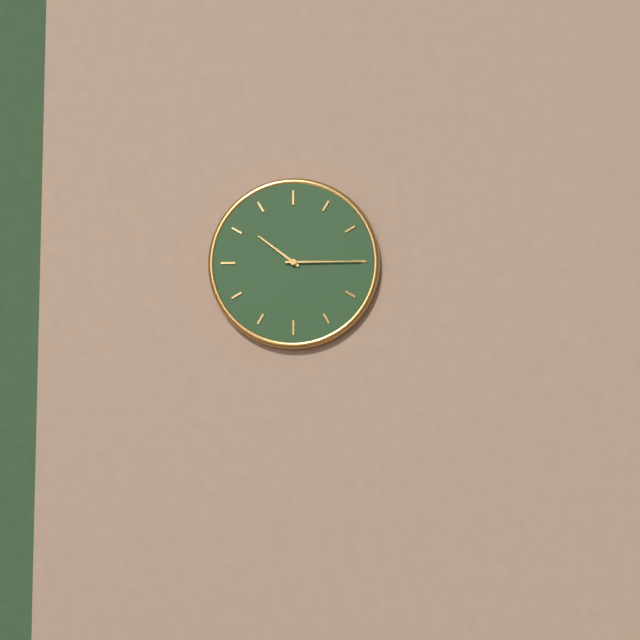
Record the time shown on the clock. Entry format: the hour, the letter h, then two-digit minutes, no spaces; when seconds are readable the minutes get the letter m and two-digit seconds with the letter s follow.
10h15
